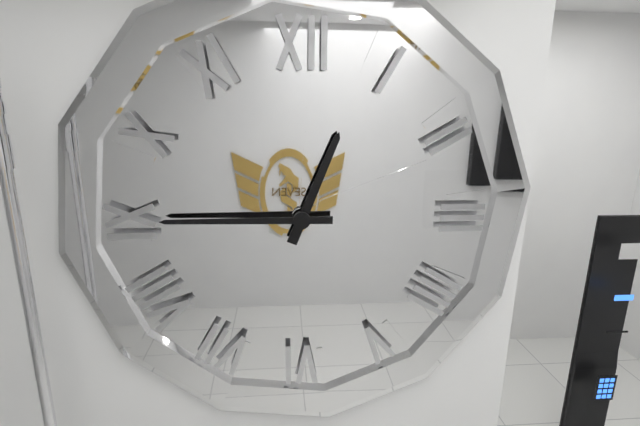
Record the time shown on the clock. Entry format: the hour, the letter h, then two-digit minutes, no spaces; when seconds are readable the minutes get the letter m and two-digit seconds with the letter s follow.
12h45
